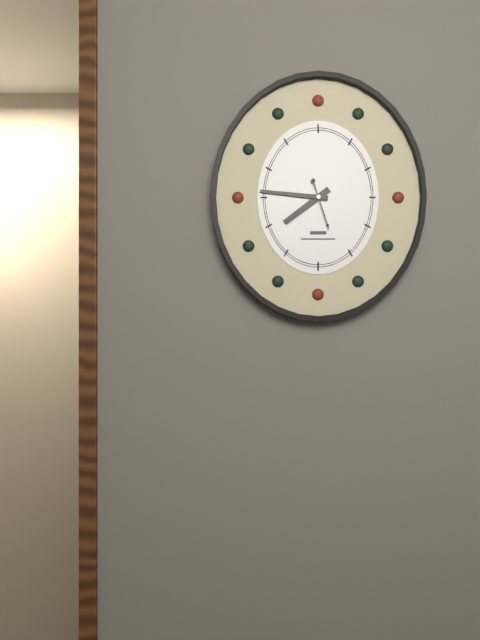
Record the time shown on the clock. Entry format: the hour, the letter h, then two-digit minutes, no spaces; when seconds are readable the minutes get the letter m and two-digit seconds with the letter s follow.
7h46
